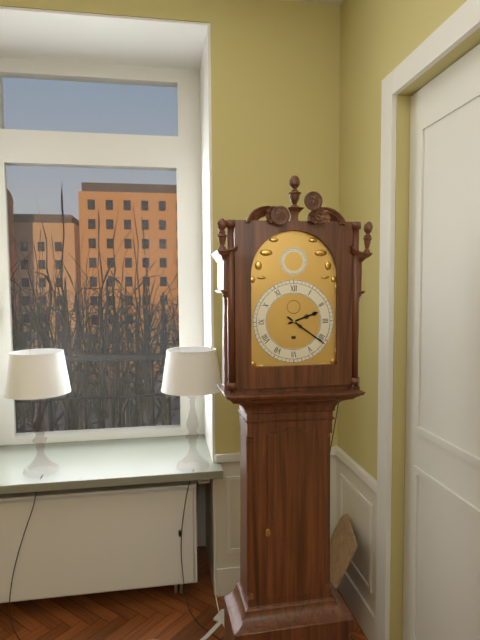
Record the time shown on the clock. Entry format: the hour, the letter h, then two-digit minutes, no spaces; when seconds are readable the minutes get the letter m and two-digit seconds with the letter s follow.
2h21
